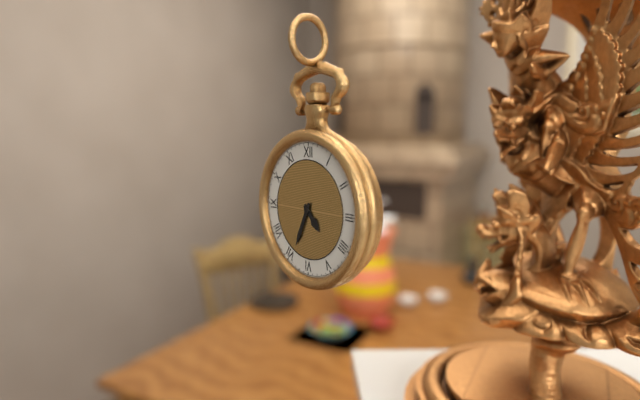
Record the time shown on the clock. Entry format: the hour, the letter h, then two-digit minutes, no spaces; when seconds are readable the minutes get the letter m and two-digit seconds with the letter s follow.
4h34
